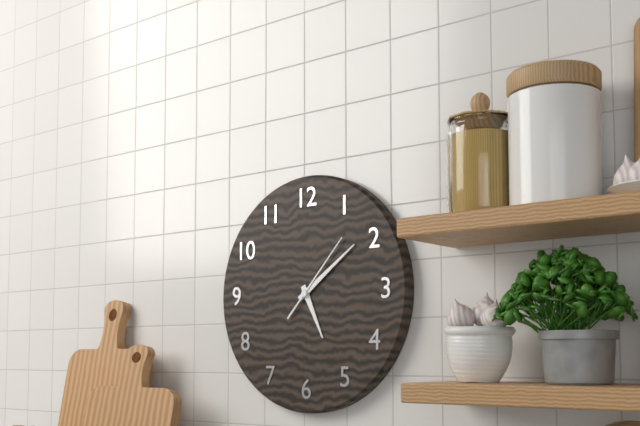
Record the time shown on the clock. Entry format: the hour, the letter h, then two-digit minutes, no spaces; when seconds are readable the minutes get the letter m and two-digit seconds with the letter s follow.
5h09m07s
